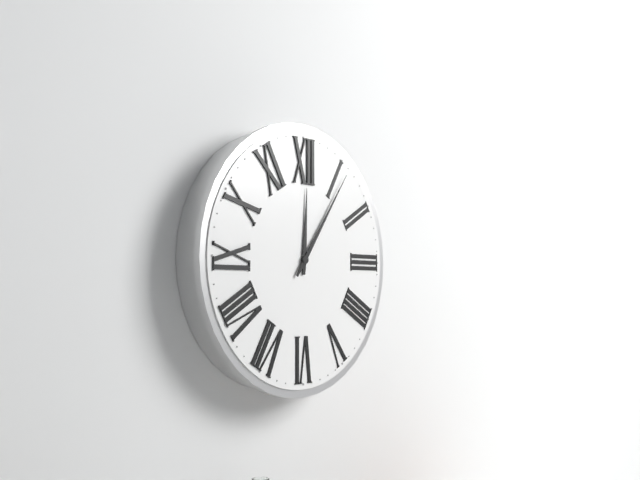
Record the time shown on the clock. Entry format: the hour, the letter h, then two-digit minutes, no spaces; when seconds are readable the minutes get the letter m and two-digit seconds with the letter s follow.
12h06
